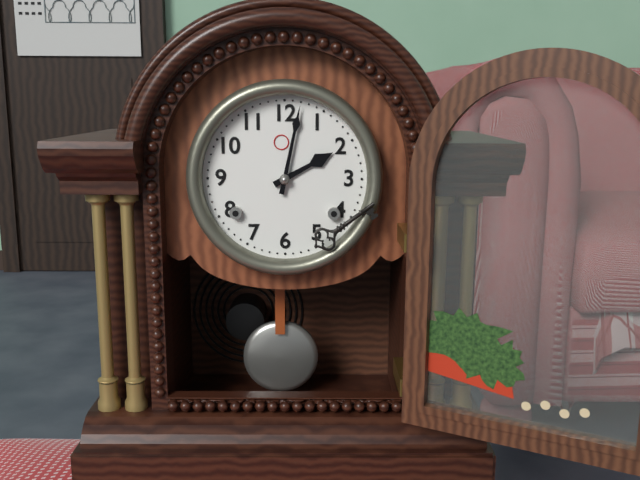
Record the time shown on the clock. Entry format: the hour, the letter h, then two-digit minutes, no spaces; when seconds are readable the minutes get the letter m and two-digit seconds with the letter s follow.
2h02
